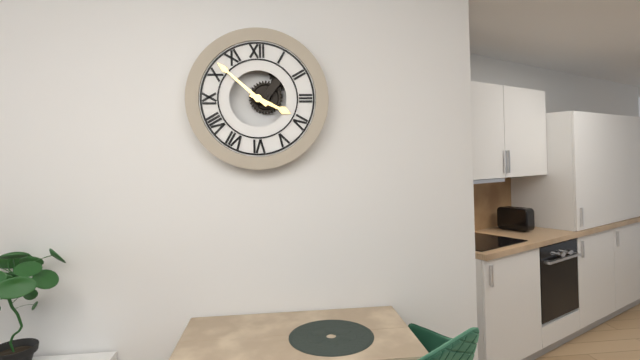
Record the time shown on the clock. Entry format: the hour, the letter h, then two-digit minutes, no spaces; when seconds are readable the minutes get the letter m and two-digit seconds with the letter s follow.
3h52
